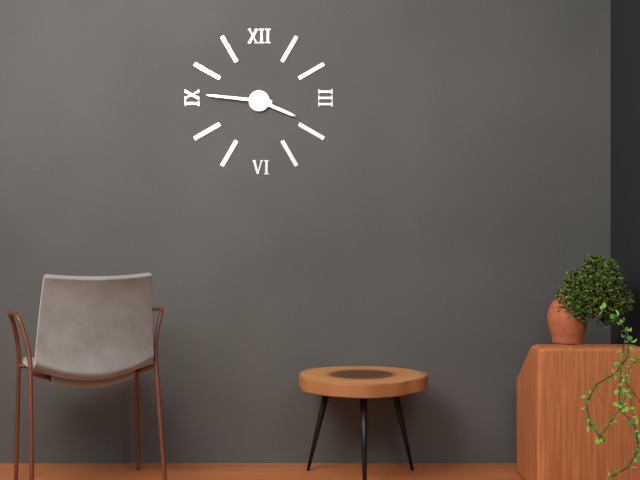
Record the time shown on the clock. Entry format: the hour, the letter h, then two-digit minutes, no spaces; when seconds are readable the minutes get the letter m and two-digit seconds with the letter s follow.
3h46
